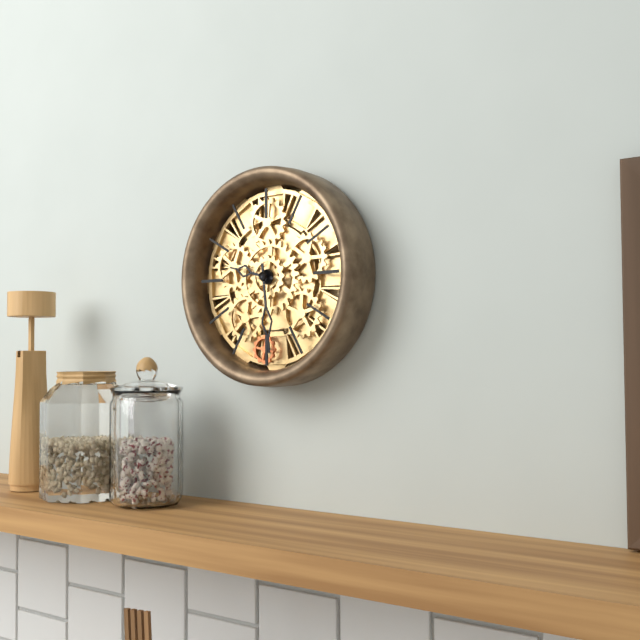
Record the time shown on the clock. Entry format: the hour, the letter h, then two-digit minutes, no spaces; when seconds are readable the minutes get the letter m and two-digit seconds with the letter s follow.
9h29
